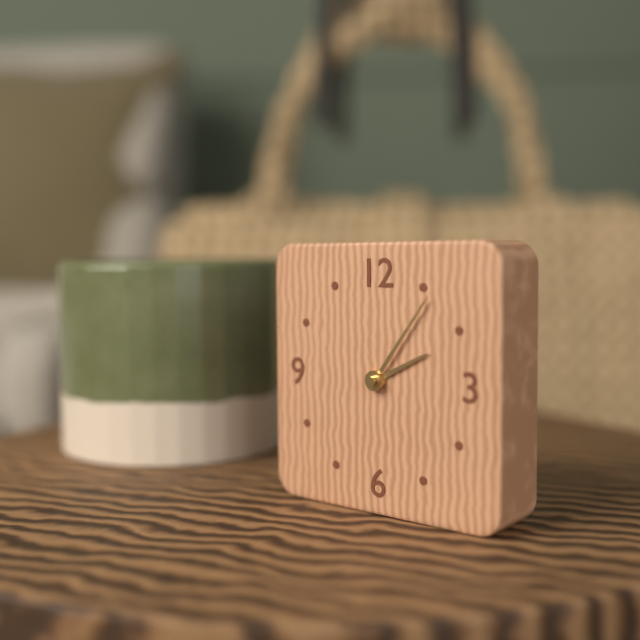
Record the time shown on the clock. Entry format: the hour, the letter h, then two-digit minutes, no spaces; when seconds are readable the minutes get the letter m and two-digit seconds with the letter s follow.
2h06
